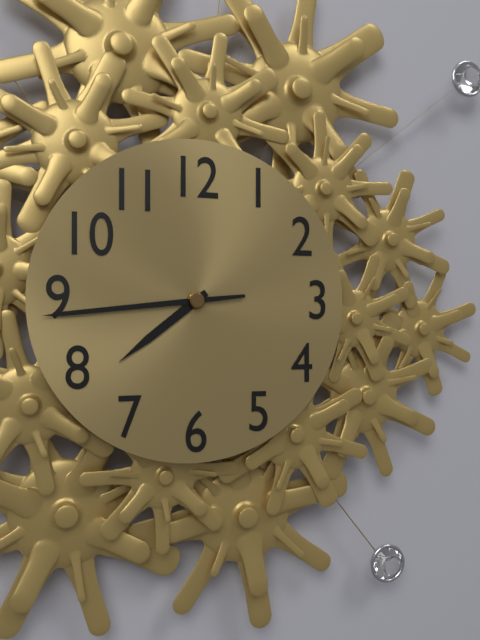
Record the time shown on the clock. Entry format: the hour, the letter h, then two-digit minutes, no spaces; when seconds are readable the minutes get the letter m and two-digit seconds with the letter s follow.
7h44
